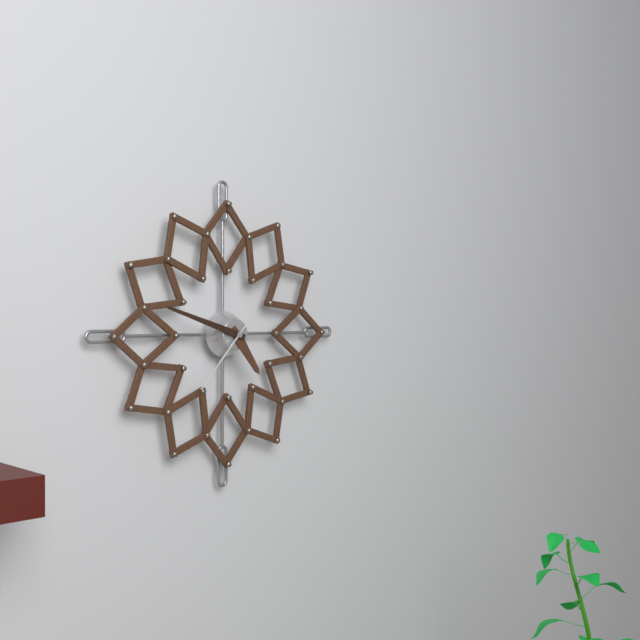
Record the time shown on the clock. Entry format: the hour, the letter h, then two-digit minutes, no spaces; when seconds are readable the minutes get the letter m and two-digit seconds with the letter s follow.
4h48m37s
